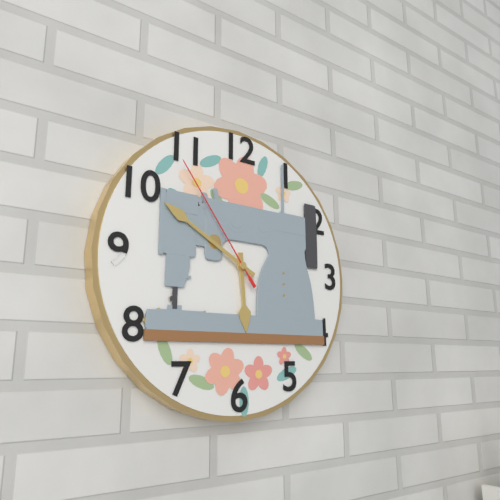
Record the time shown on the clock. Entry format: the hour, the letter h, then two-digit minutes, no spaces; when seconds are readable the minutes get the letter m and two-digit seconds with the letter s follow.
5h50m54s
